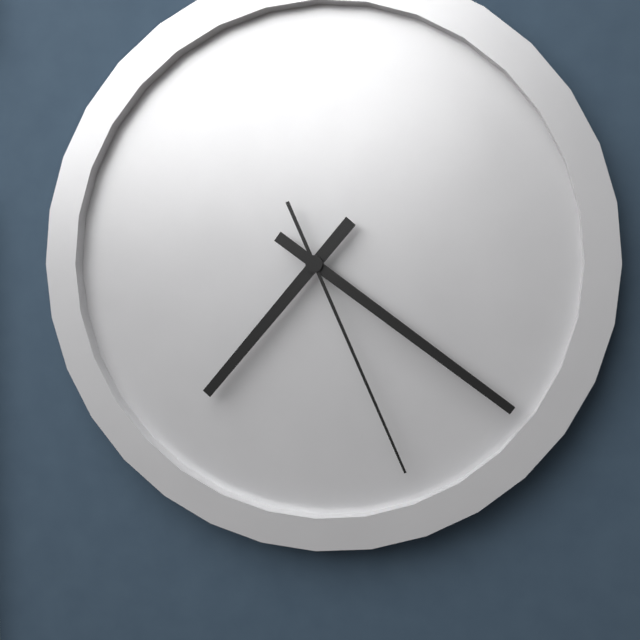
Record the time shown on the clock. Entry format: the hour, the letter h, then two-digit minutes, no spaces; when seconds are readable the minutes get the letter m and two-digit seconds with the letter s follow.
7h21m26s
